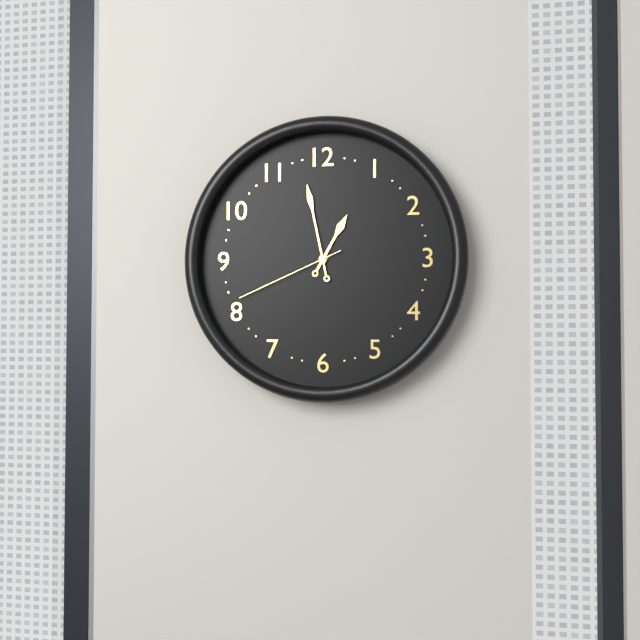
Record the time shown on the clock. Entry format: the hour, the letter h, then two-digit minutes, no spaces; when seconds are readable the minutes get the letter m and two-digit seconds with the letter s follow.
12h58m41s
